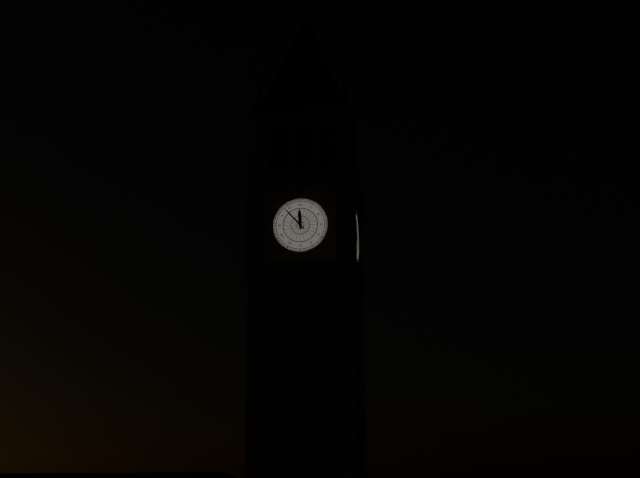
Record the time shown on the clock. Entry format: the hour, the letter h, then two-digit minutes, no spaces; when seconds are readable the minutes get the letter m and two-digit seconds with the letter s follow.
11h53
